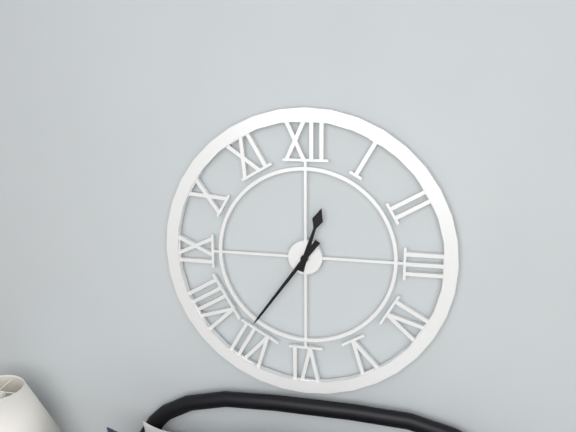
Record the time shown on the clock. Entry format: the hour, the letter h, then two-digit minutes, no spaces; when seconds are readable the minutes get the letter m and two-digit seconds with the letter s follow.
12h36
